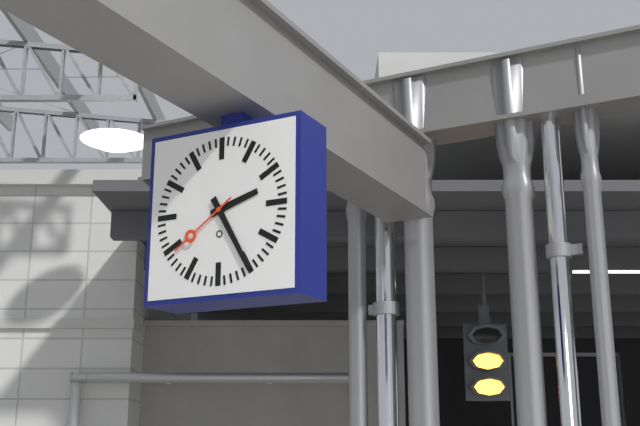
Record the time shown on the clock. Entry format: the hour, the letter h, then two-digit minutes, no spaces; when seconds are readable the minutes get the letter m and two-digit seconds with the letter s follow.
2h25m39s
